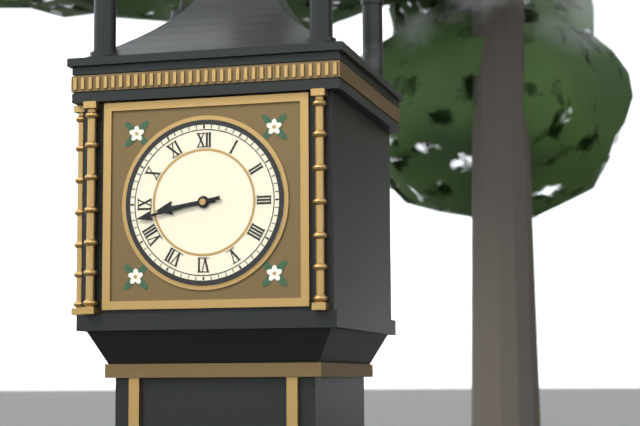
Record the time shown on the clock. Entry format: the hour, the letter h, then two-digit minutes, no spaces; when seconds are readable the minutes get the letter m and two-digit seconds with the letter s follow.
8h43
